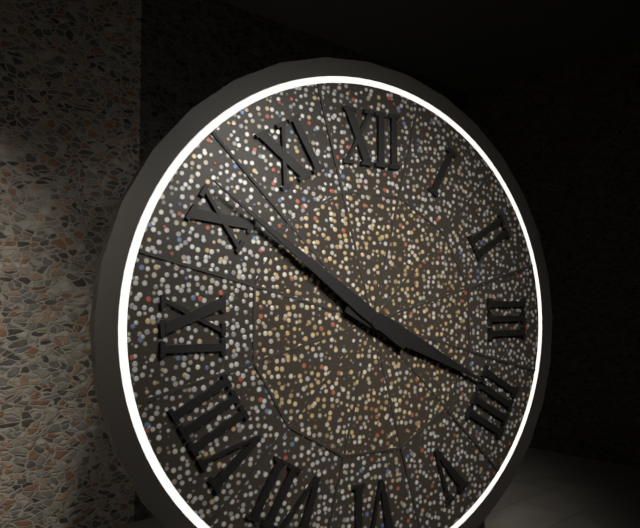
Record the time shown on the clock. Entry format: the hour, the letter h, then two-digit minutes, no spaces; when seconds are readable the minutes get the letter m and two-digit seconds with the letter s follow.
3h51
